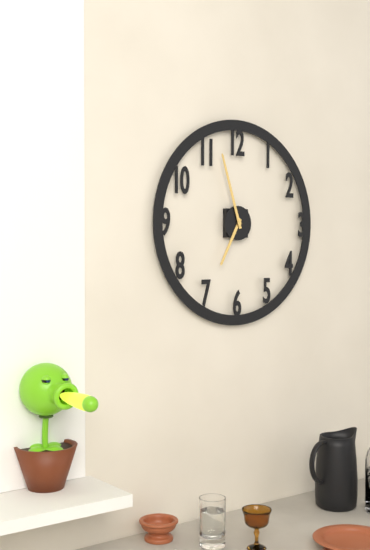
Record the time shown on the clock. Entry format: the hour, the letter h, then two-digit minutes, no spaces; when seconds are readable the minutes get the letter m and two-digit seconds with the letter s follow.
6h57
